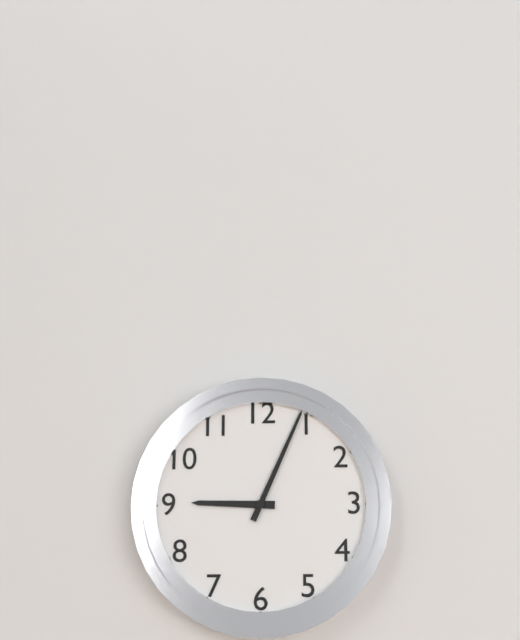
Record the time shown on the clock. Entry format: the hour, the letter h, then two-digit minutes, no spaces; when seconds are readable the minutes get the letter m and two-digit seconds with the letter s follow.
9h04
